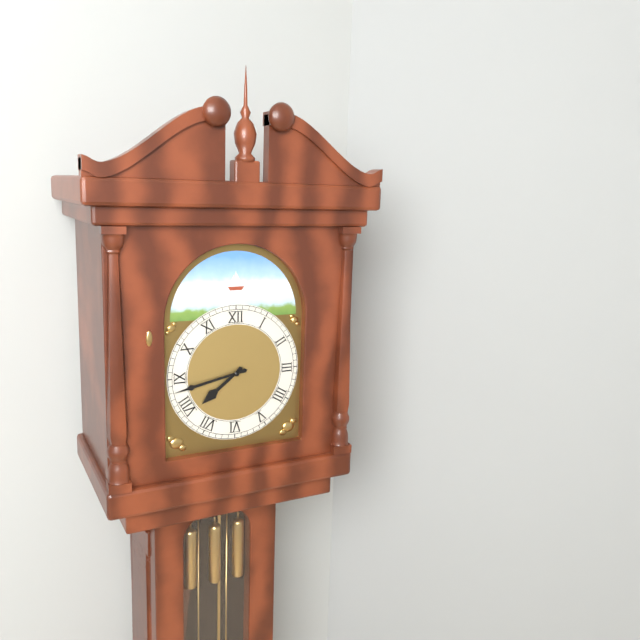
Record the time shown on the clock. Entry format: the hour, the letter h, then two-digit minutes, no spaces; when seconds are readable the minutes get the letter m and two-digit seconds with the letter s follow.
7h43
